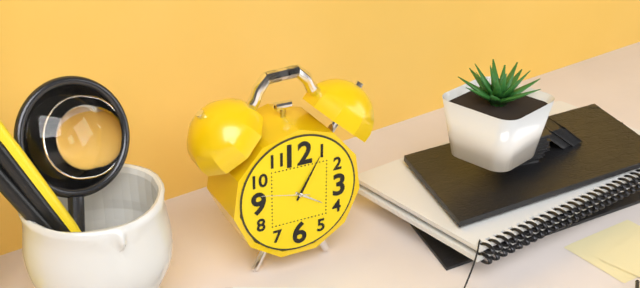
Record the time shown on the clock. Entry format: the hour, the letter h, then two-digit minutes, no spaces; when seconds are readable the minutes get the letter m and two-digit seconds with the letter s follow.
4h05m47s
